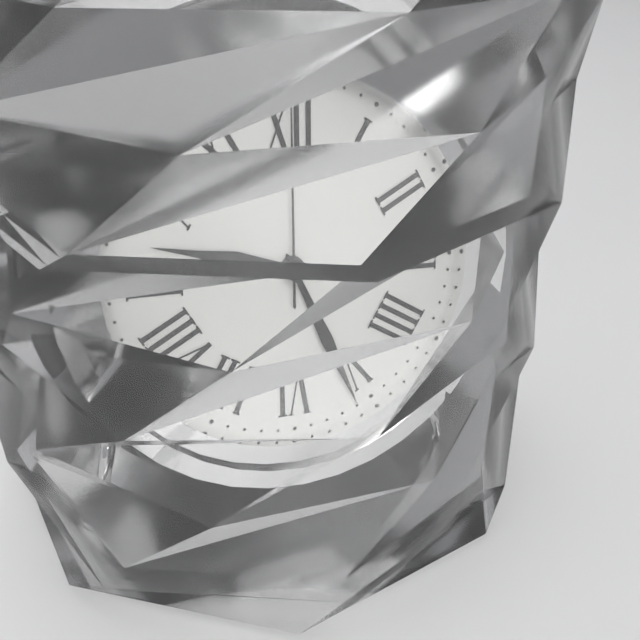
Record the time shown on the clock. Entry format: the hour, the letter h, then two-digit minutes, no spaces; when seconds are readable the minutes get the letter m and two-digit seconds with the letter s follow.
9h26m00s
